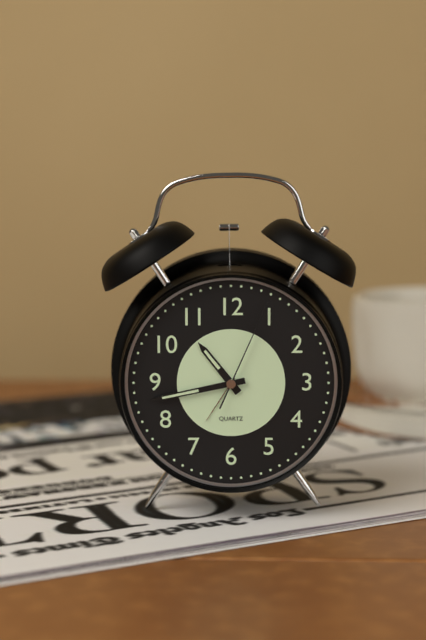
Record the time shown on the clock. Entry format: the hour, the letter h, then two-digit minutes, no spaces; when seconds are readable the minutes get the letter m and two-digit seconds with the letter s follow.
10h43m04s
